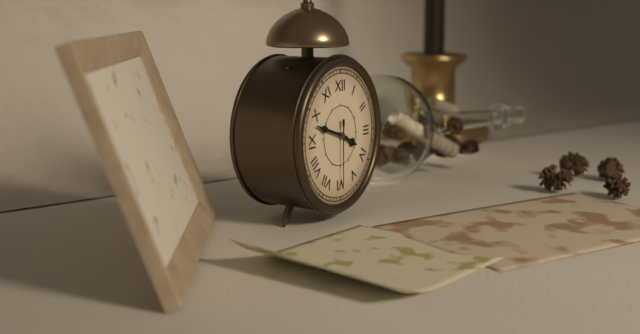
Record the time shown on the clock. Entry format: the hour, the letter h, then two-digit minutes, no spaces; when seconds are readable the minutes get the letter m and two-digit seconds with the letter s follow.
3h48m30s
